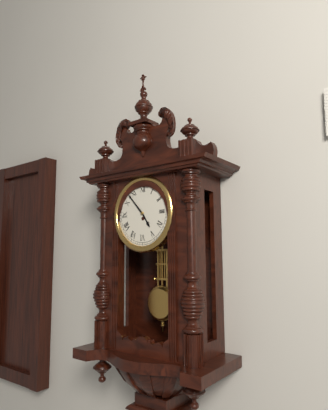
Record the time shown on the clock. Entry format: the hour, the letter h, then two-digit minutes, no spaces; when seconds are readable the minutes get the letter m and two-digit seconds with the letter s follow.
4h53
